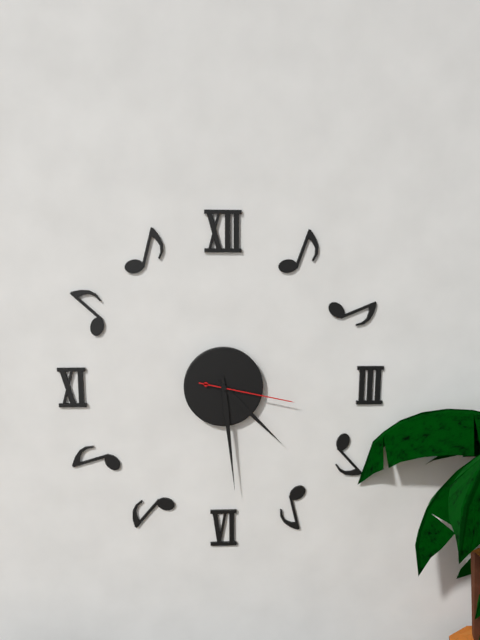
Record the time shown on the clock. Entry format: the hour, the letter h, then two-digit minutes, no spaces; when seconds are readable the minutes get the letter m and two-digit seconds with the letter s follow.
4h29m17s
